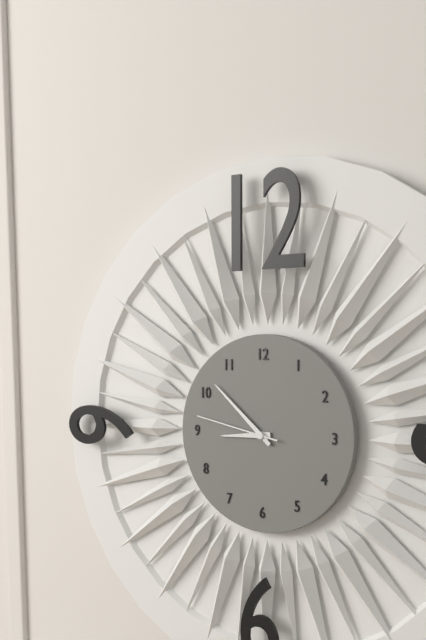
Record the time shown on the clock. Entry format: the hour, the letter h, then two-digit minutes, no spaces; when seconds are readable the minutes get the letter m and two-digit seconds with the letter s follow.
8h52m47s
